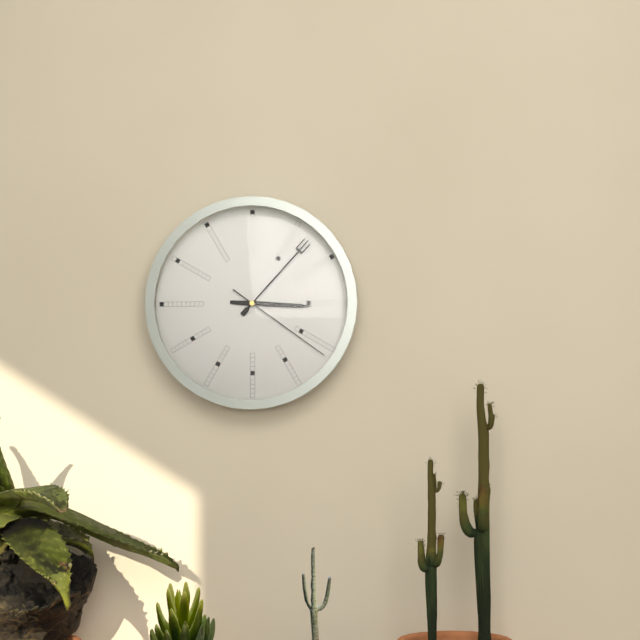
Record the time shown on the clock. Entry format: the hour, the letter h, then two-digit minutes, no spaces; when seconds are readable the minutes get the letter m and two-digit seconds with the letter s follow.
3h07m21s
